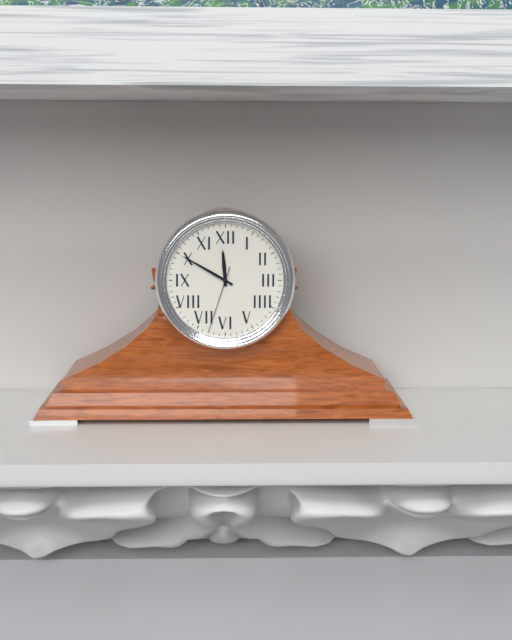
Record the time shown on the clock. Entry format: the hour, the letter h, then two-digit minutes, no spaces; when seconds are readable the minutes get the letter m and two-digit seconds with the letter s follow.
11h50m33s
